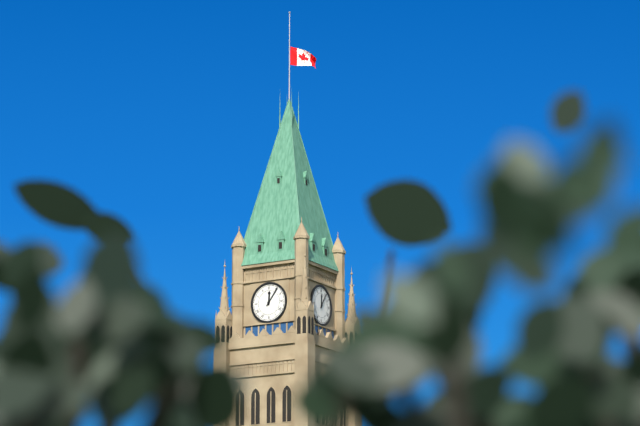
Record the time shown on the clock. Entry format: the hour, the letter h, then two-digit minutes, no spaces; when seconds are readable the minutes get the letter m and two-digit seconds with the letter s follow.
12h06
